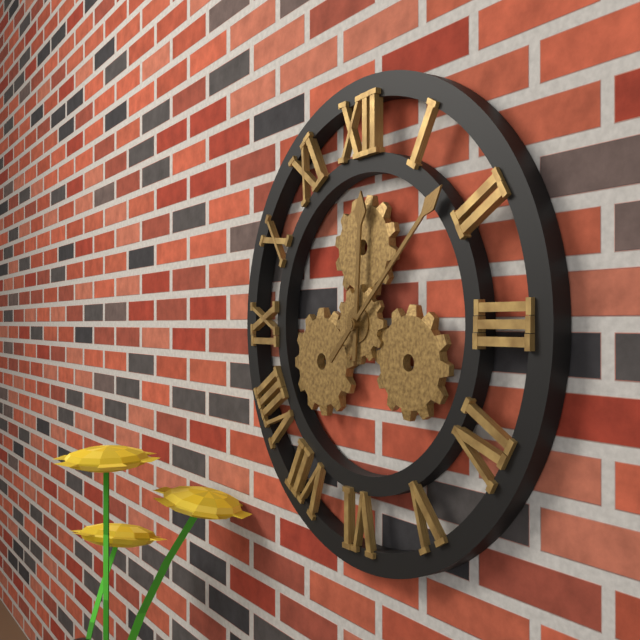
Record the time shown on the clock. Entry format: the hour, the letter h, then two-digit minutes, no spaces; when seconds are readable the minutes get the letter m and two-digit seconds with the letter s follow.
12h08
